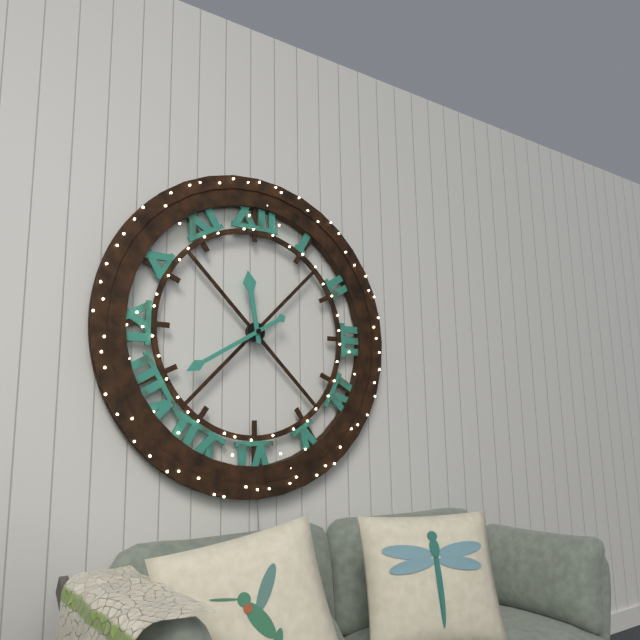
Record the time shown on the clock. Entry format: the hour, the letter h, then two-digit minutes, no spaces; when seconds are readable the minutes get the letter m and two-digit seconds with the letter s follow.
11h40
